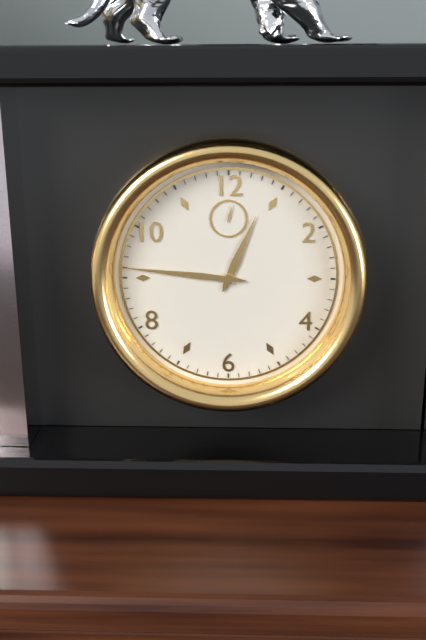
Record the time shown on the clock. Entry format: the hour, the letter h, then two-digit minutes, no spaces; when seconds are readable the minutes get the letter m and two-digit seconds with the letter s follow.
12h46
